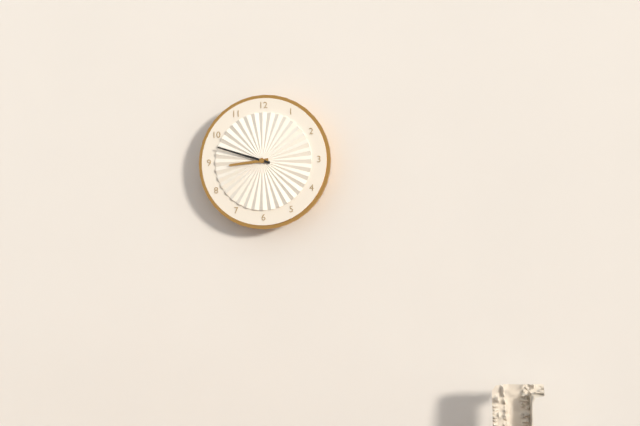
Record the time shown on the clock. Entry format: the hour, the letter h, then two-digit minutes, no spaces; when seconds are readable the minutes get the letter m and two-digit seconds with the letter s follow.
8h48
